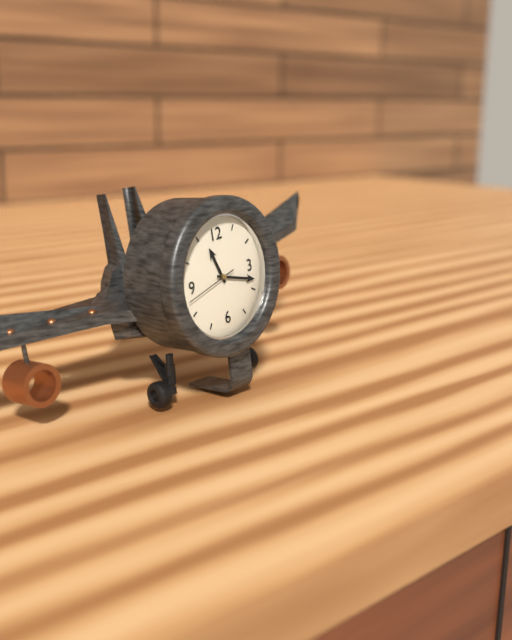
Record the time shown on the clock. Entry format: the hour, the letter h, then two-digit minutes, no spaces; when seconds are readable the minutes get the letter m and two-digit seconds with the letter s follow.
11h18
